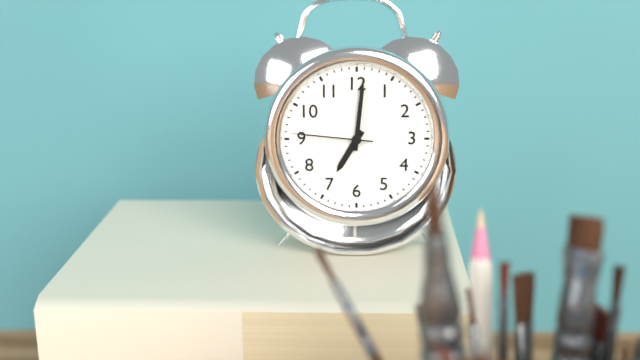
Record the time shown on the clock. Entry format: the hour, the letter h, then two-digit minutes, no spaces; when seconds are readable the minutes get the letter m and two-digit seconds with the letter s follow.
7h01m46s
